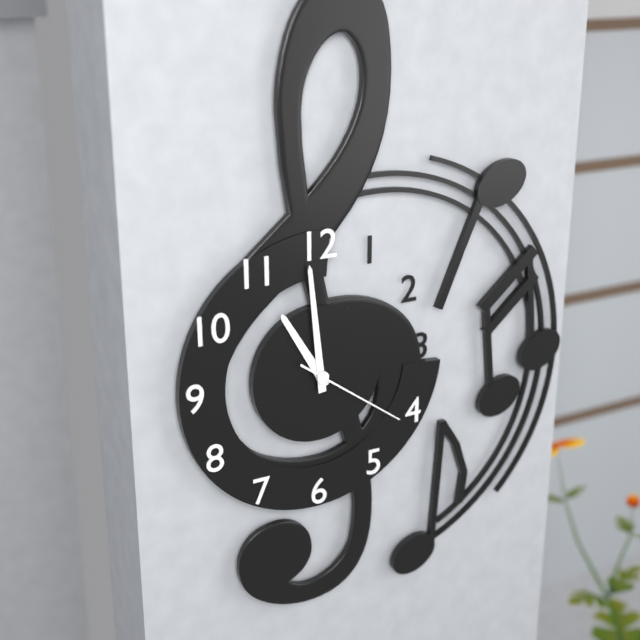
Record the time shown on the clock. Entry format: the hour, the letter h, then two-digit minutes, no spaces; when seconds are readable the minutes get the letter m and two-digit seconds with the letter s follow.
10h59m21s
